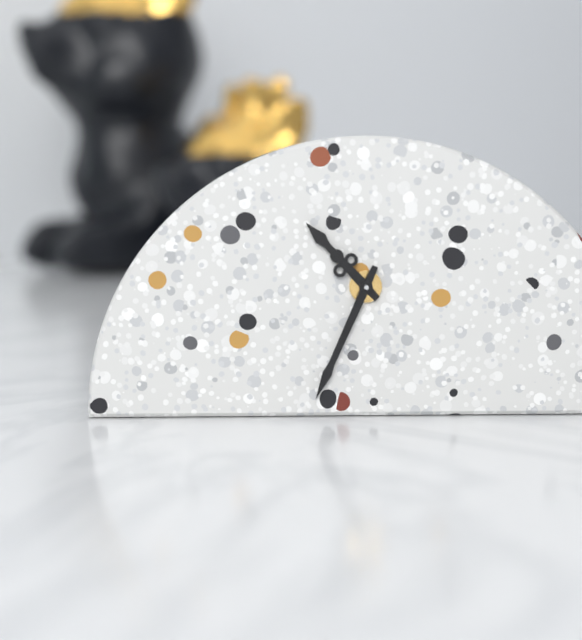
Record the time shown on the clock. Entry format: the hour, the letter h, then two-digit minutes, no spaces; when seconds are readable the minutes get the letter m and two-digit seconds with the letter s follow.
10h34
